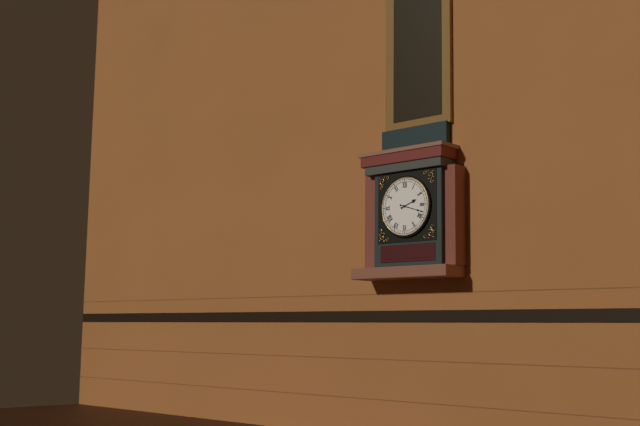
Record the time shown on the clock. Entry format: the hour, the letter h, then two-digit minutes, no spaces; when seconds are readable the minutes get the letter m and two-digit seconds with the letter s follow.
2h18
